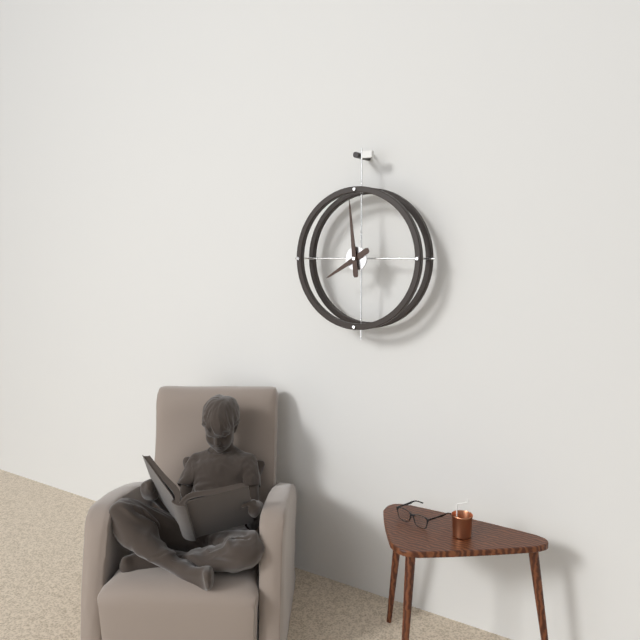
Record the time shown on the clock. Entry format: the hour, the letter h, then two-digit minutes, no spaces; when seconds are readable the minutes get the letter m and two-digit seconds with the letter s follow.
7h59
